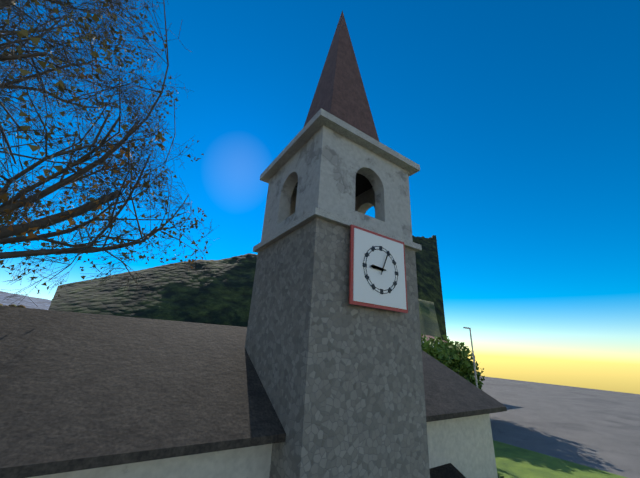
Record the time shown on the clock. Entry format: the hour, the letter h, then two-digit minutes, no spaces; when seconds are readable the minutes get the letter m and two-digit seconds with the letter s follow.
9h04
